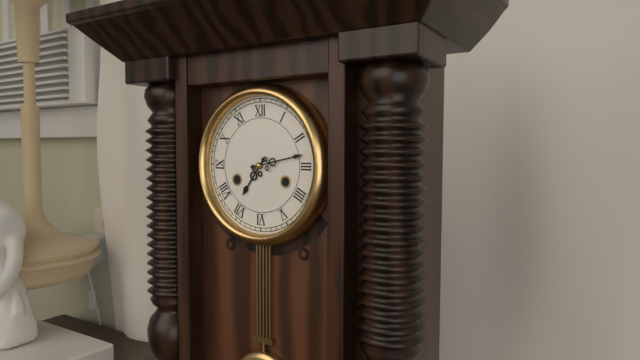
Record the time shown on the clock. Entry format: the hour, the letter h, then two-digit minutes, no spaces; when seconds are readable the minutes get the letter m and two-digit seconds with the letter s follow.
7h13
